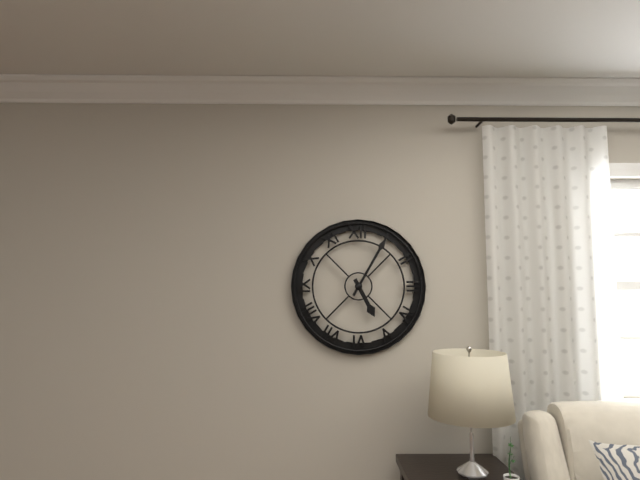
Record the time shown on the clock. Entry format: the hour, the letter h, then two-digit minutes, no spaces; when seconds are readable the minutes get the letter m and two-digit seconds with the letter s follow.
5h05
